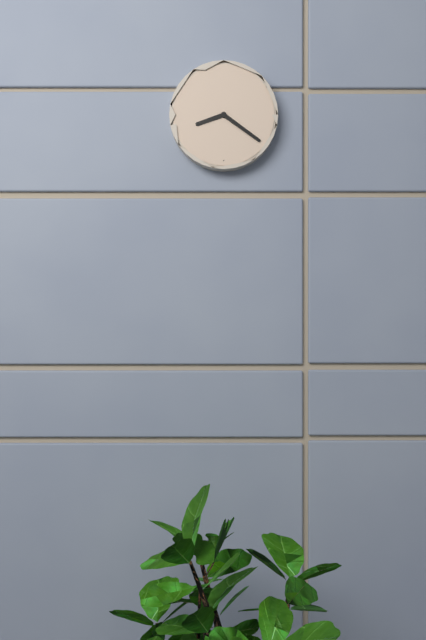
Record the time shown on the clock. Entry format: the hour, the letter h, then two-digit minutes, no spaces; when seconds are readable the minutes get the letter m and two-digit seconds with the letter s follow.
8h21
